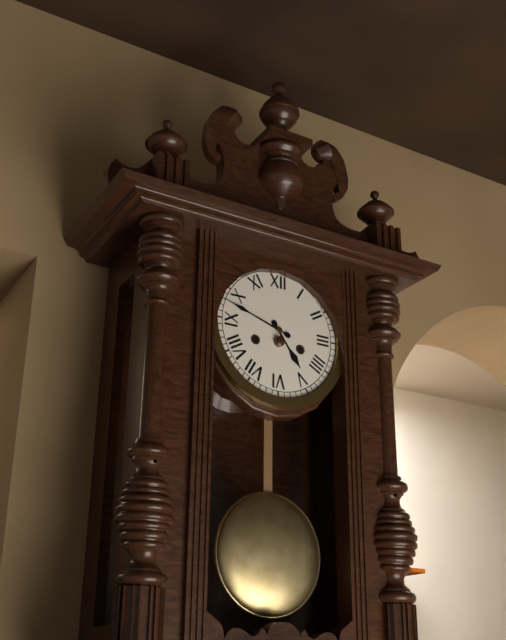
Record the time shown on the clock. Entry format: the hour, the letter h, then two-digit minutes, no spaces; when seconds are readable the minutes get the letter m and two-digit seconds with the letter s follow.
4h48
